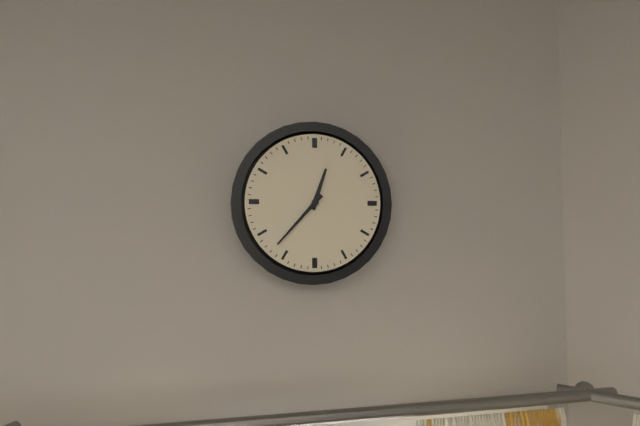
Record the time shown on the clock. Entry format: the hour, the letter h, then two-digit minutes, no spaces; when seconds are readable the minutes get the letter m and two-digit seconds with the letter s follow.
12h37
